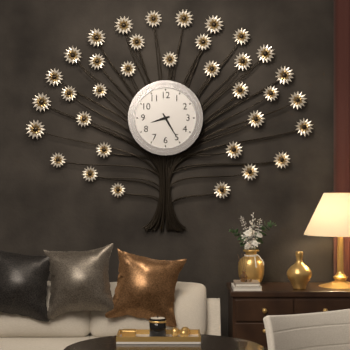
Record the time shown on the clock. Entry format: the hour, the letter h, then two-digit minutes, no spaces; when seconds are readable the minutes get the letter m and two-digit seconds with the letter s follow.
8h25
